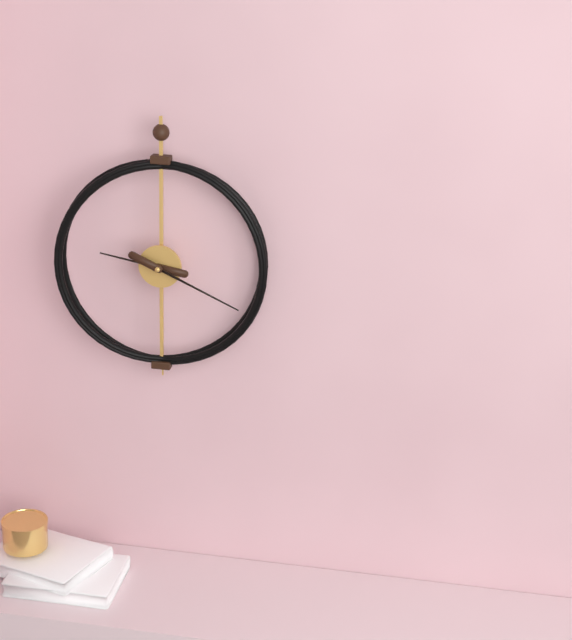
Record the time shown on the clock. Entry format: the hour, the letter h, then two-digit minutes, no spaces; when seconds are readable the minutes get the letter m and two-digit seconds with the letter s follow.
9h19
